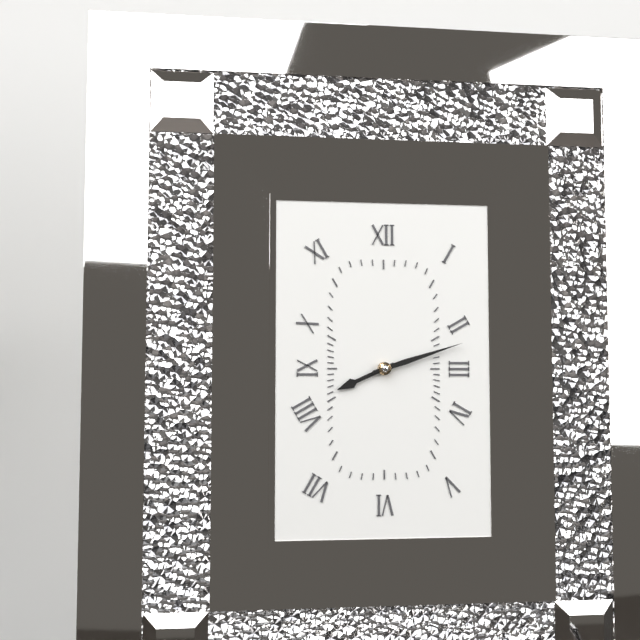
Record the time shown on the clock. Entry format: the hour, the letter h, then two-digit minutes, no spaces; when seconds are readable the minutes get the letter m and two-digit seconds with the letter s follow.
8h12
